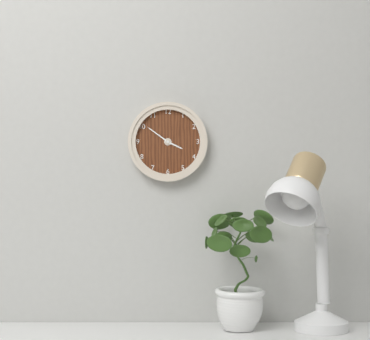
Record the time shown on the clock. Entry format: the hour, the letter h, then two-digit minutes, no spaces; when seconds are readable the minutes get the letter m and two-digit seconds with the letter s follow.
3h51
